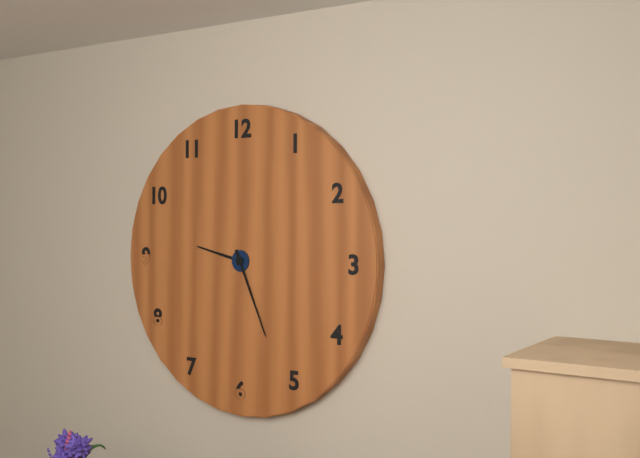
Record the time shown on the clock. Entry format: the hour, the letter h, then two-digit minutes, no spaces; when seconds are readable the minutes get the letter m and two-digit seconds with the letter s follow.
9h26
